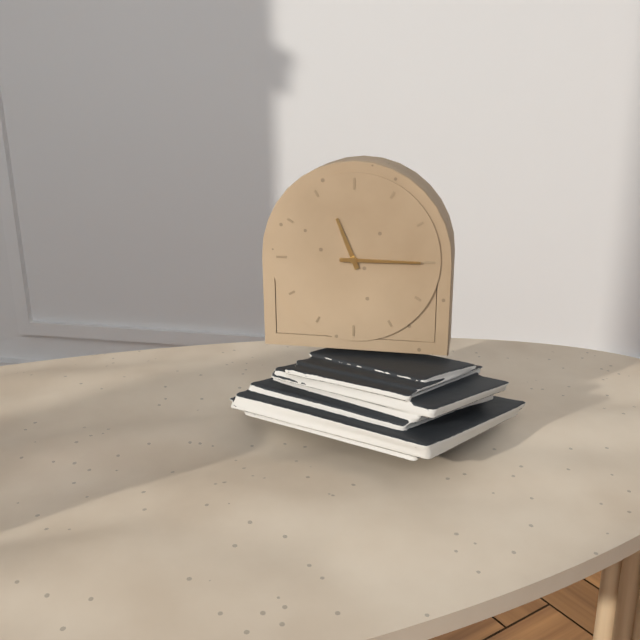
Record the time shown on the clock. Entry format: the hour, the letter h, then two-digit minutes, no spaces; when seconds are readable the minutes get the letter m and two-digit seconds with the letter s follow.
11h15
